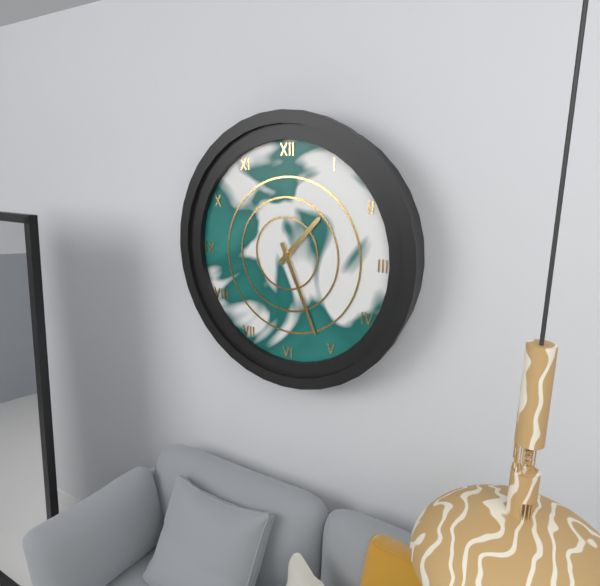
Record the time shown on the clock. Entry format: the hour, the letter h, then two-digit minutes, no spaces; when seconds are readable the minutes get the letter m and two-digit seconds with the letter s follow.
1h26
